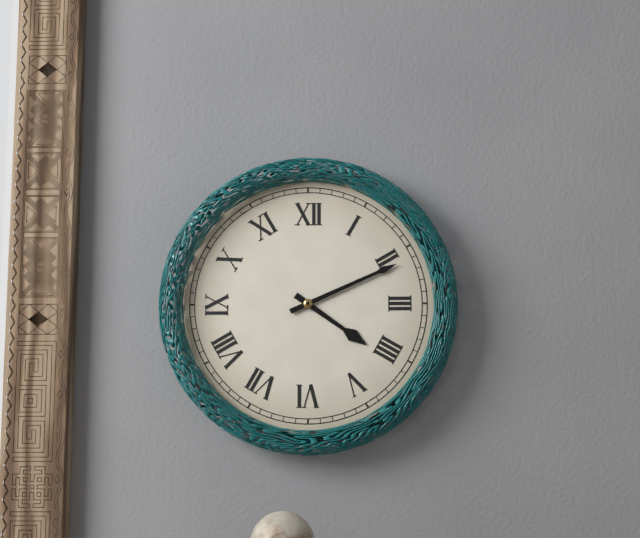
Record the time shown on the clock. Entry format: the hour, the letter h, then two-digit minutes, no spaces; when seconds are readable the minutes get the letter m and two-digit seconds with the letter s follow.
4h11
